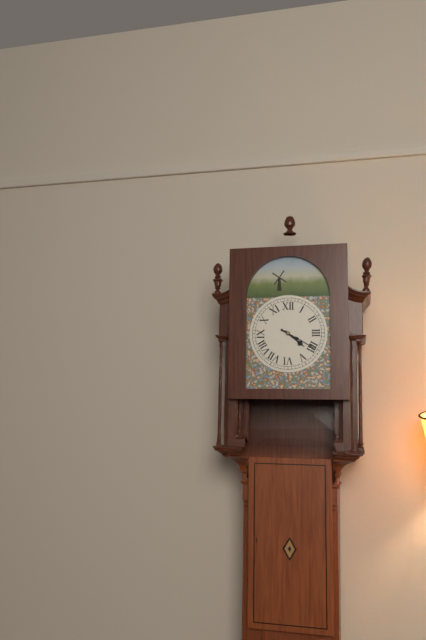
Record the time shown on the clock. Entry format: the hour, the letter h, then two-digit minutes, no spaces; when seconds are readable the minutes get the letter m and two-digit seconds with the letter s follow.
4h20
